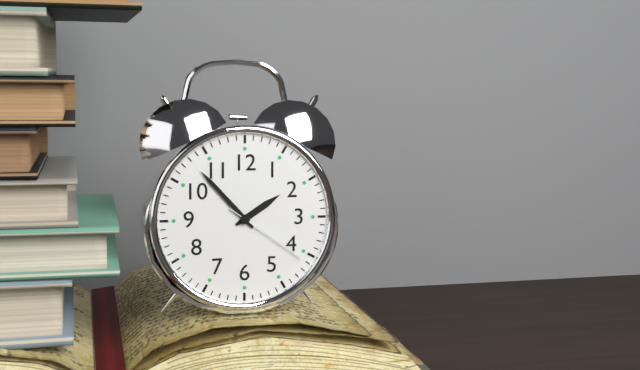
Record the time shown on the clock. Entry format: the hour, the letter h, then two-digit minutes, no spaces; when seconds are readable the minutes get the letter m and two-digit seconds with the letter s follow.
1h53m21s
